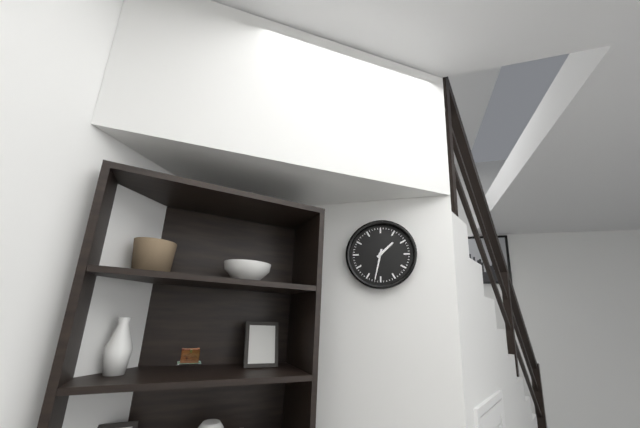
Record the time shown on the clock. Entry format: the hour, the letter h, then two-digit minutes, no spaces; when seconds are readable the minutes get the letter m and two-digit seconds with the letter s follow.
1h32
